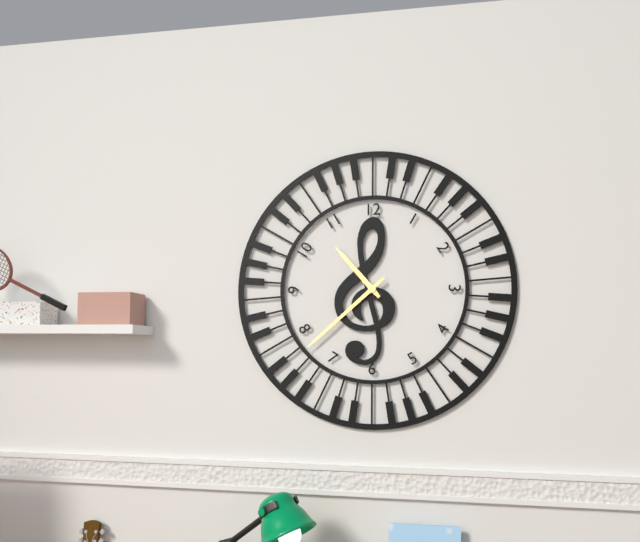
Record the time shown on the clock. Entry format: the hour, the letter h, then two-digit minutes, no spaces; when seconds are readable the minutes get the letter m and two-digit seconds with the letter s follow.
10h38
